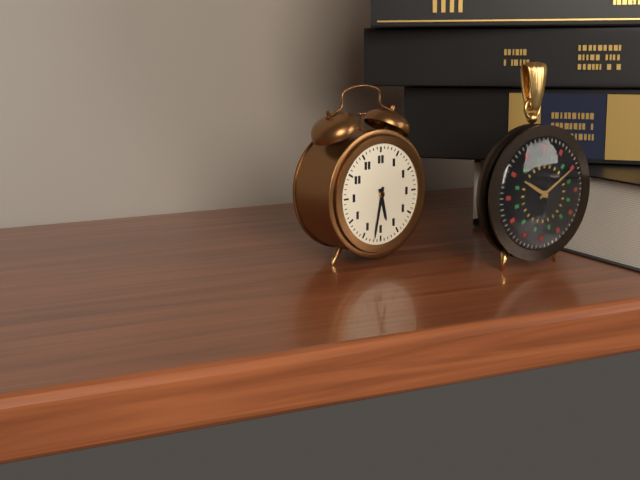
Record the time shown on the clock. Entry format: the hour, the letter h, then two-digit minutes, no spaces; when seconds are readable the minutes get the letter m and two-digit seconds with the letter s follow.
5h32
